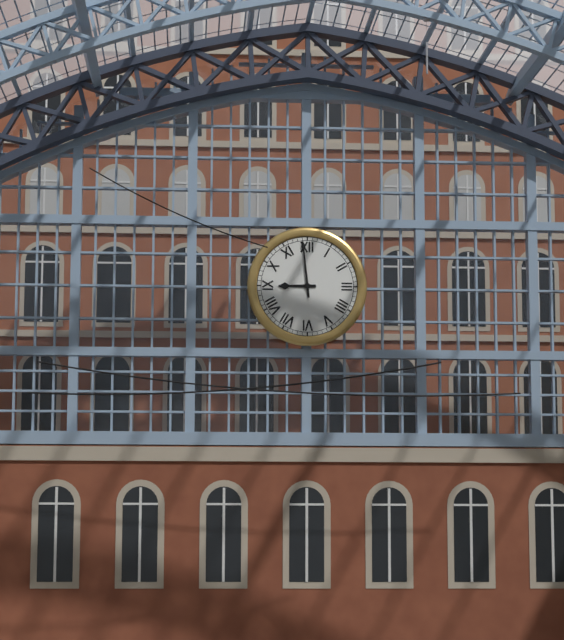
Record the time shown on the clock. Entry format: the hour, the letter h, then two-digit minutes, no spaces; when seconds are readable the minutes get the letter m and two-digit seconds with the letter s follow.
8h59
